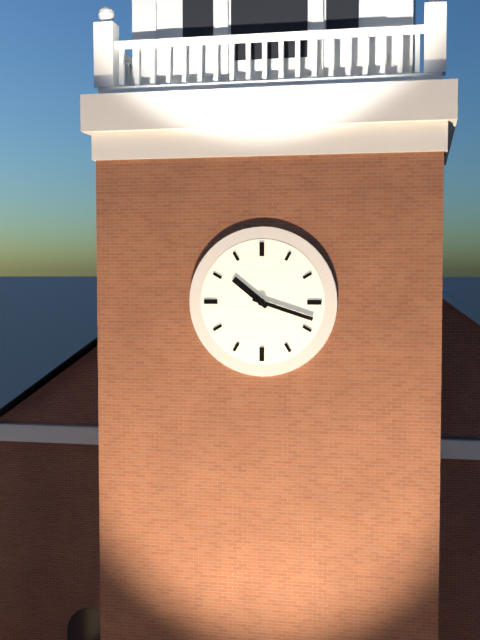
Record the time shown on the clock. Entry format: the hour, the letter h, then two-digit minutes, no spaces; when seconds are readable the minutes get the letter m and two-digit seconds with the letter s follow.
10h18
